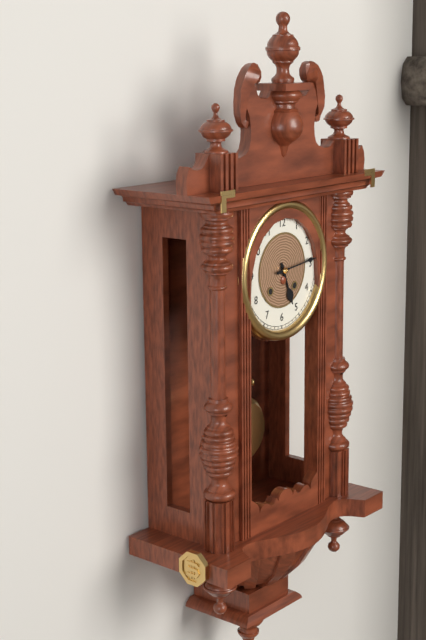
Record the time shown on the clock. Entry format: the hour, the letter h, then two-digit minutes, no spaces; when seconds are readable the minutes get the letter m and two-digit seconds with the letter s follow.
5h14
